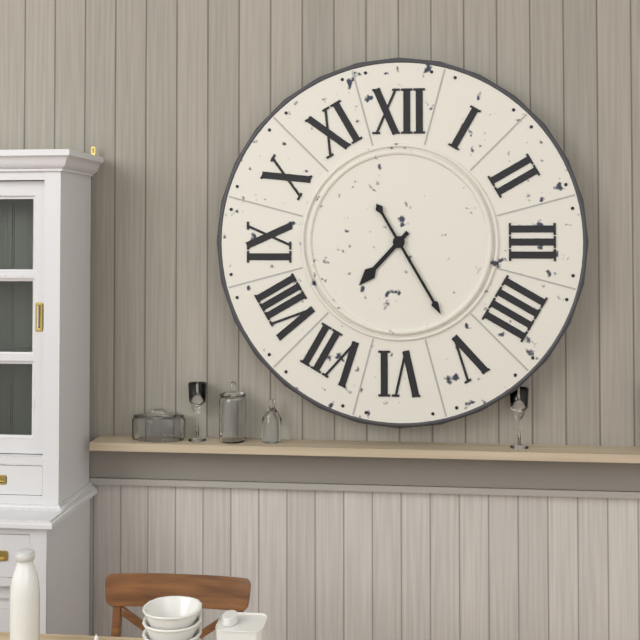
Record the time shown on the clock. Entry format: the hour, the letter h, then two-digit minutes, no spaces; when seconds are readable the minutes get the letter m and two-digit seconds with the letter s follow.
7h25
